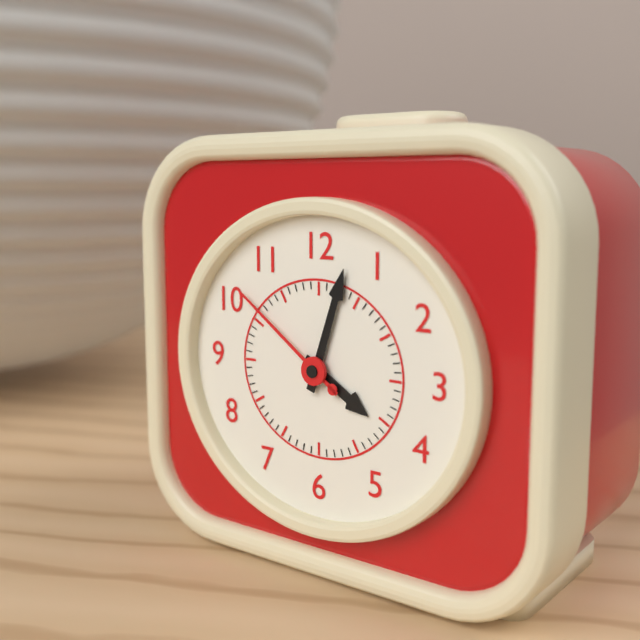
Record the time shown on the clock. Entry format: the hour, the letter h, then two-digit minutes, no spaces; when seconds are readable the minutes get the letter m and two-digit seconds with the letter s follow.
4h03m51s
